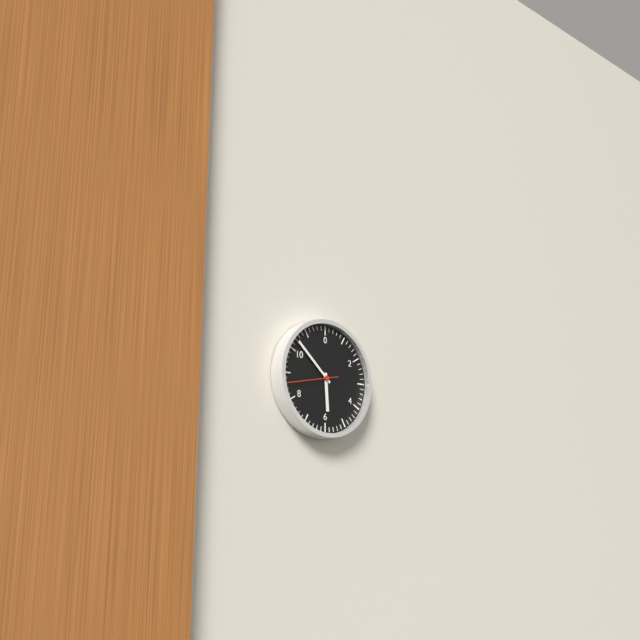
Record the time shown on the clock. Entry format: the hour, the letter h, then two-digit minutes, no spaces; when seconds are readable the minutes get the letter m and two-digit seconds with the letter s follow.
5h52m43s
